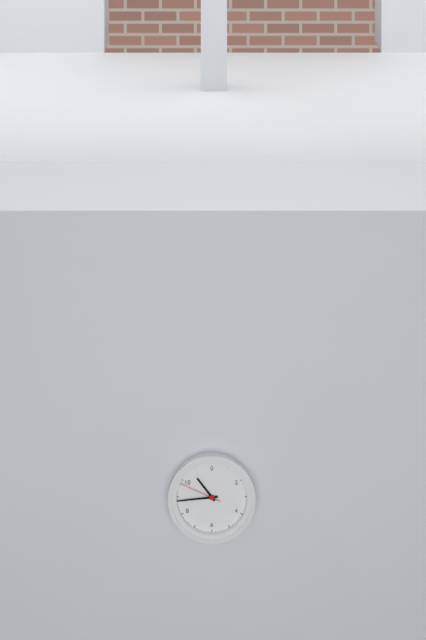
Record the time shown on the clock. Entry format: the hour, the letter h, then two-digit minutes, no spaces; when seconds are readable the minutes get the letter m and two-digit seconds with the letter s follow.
10h44
